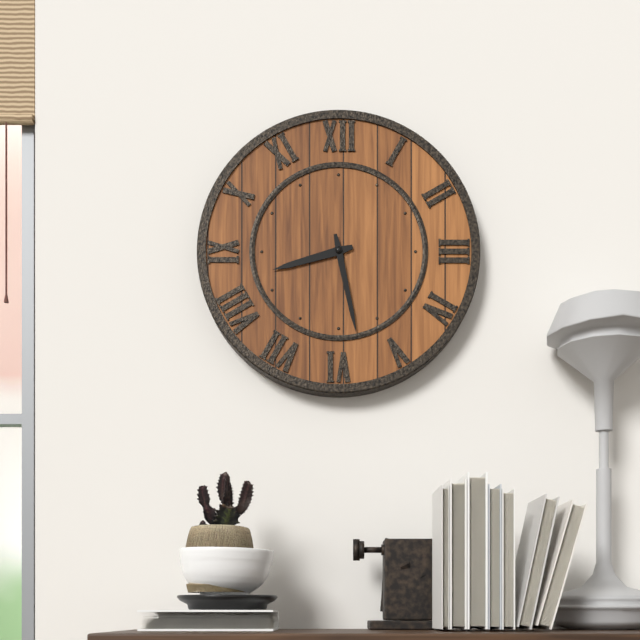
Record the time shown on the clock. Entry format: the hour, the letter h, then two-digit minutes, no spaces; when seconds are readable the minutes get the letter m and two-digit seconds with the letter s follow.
8h28
